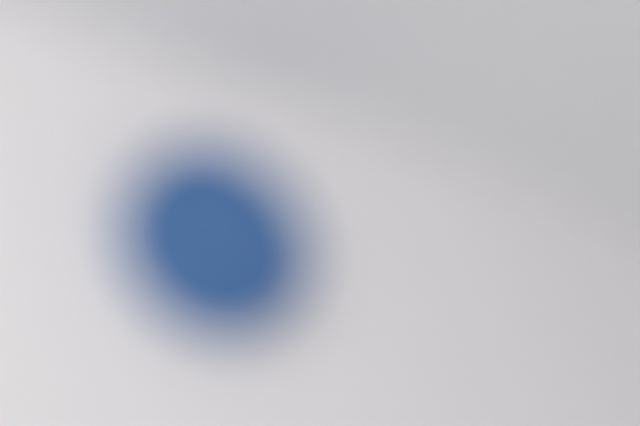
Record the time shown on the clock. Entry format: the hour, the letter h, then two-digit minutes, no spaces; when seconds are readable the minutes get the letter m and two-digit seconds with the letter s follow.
4h15
